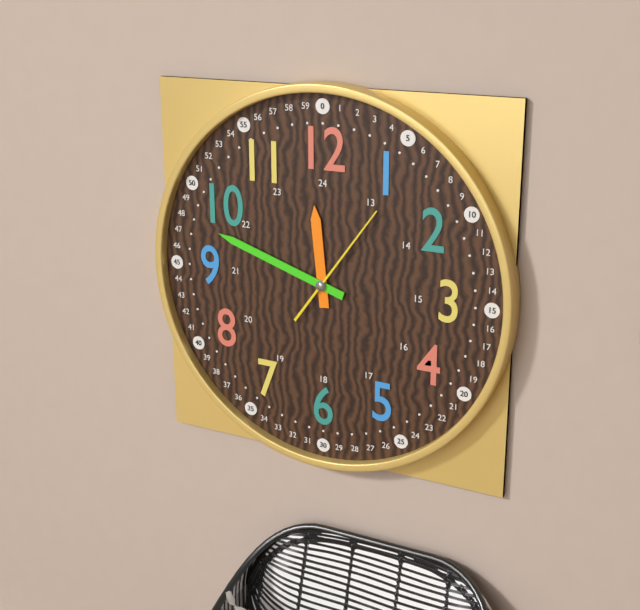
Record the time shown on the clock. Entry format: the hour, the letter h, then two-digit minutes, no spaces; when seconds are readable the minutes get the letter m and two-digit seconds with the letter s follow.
11h48m06s
